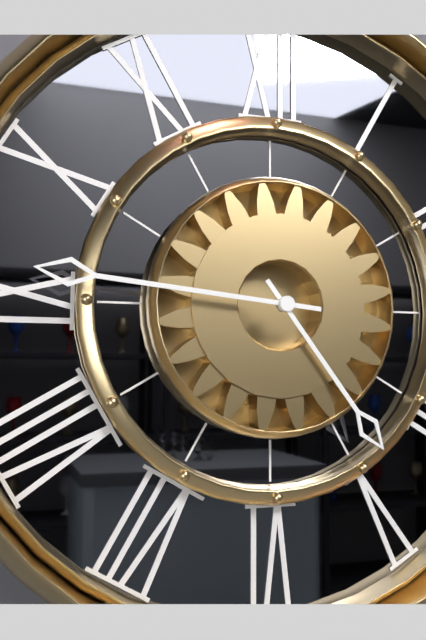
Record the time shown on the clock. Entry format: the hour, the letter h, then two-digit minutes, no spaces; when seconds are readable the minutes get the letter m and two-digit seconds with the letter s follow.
4h46
